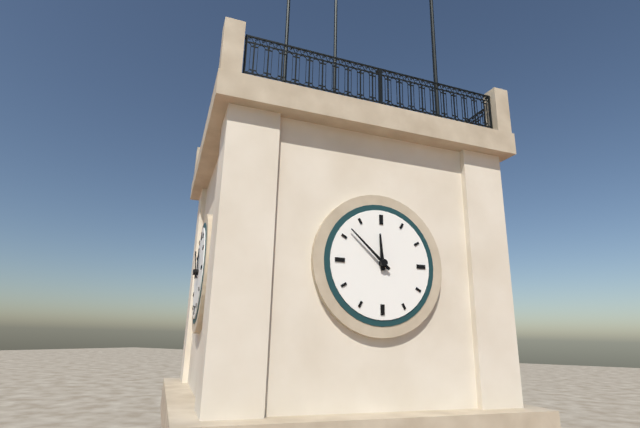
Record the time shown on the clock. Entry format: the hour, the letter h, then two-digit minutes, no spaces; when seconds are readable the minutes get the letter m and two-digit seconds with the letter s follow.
11h52
